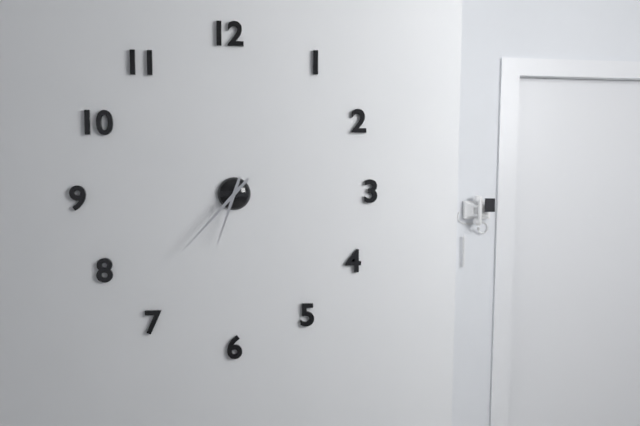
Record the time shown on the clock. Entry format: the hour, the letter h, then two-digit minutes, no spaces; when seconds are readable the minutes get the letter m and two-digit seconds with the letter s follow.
6h37
